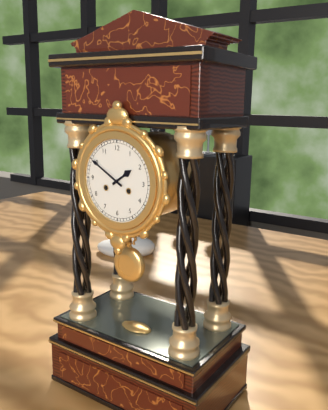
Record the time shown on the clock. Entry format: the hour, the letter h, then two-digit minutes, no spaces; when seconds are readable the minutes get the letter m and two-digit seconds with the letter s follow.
1h50
